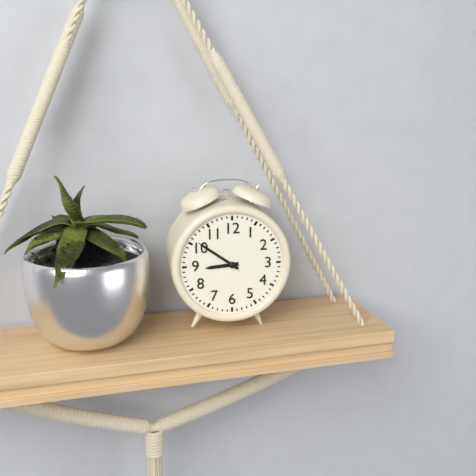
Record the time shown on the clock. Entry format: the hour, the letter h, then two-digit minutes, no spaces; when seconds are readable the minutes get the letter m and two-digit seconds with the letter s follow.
8h51
